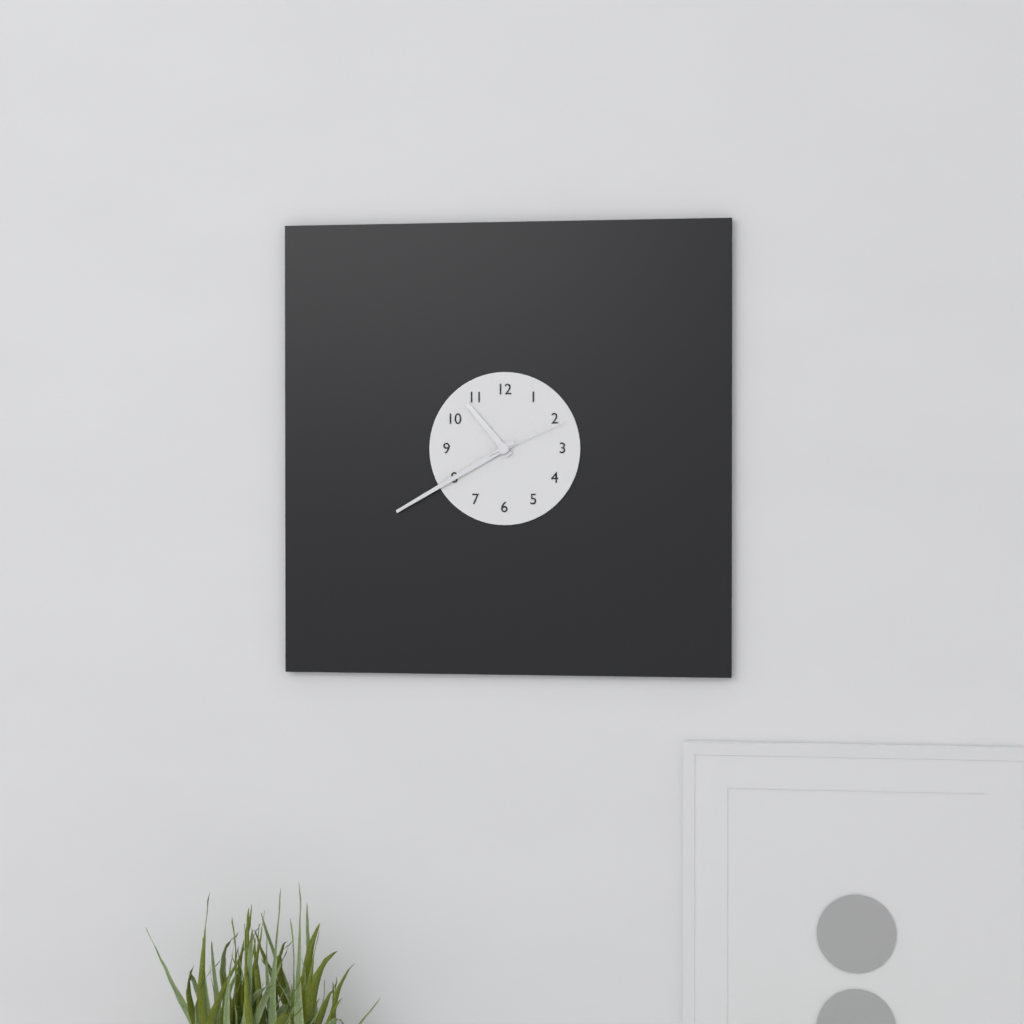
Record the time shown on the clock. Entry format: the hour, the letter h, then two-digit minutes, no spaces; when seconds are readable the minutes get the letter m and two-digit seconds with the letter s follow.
10h40m11s
